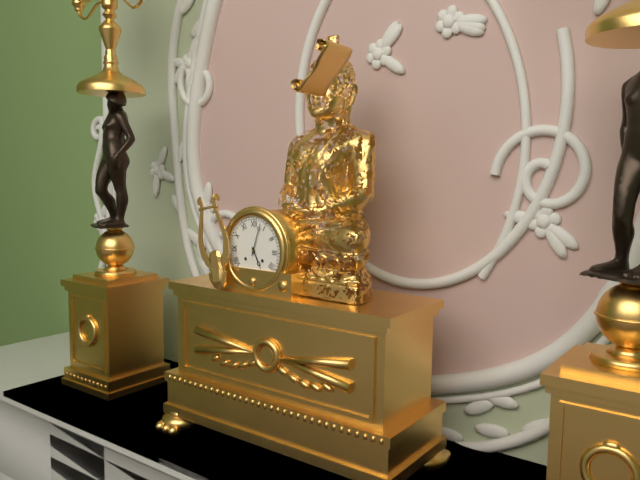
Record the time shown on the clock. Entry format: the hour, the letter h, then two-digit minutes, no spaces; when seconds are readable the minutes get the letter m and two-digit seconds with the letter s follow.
5h03
